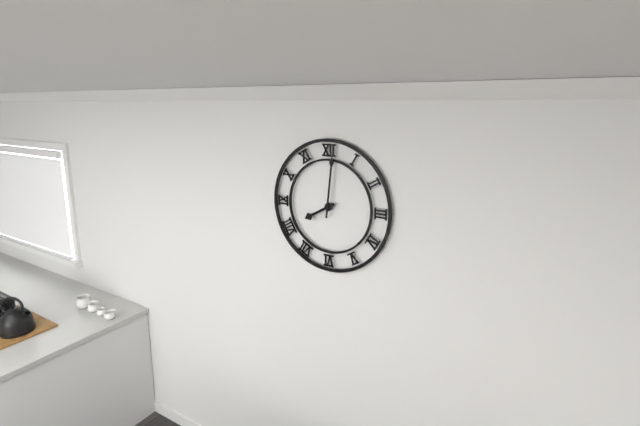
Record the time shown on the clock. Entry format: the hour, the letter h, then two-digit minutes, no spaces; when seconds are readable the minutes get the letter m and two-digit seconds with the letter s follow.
8h01
